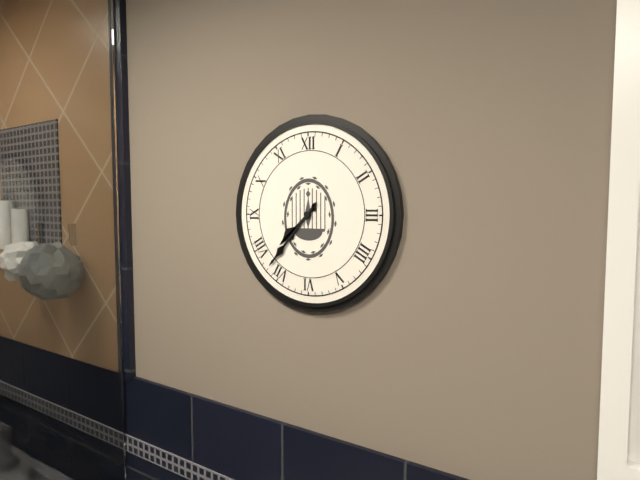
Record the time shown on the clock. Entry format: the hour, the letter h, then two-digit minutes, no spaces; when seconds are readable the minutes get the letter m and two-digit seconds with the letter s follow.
7h37
